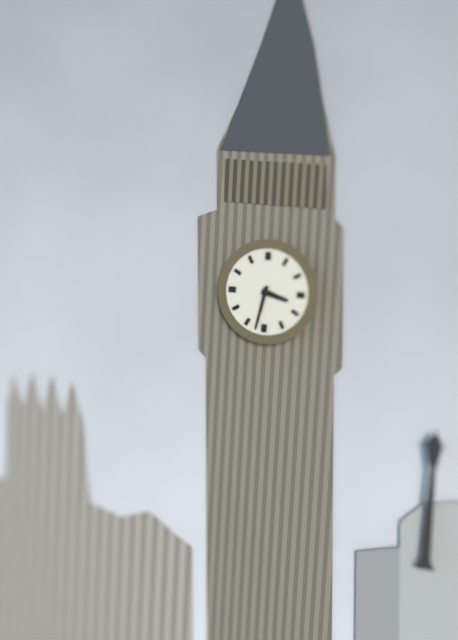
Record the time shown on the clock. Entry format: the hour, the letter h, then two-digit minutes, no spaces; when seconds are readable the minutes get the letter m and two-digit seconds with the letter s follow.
3h32
